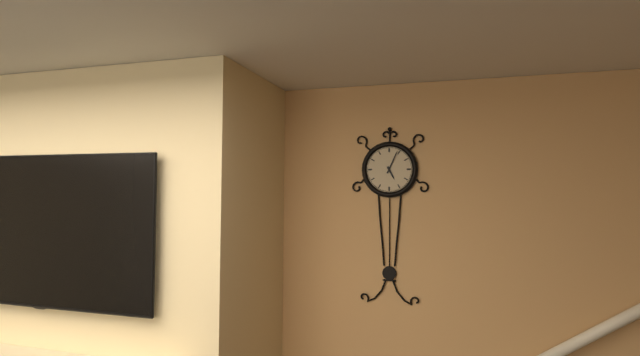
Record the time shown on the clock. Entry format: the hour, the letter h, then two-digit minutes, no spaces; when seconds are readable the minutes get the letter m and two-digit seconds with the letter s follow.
5h04
